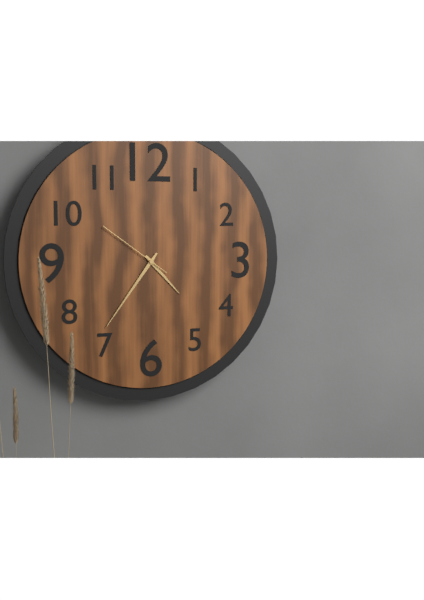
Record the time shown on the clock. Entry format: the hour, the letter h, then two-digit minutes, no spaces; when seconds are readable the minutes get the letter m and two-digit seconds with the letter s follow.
4h36m51s
